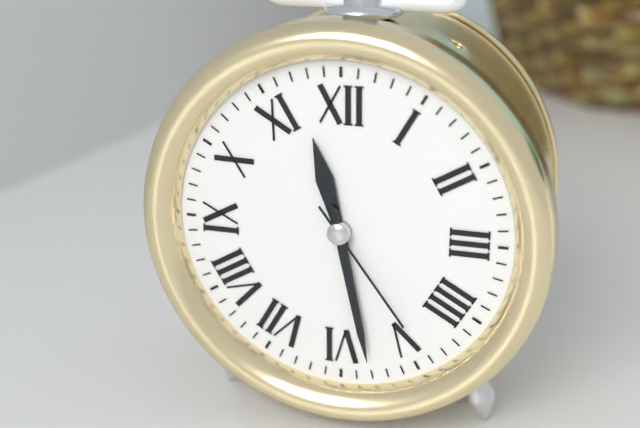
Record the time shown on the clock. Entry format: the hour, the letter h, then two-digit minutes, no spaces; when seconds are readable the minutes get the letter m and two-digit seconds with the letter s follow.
11h28m24s
